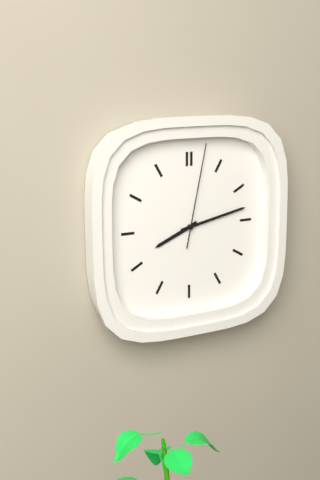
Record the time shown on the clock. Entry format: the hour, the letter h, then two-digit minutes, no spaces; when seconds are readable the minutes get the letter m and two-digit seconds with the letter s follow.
8h13m02s
